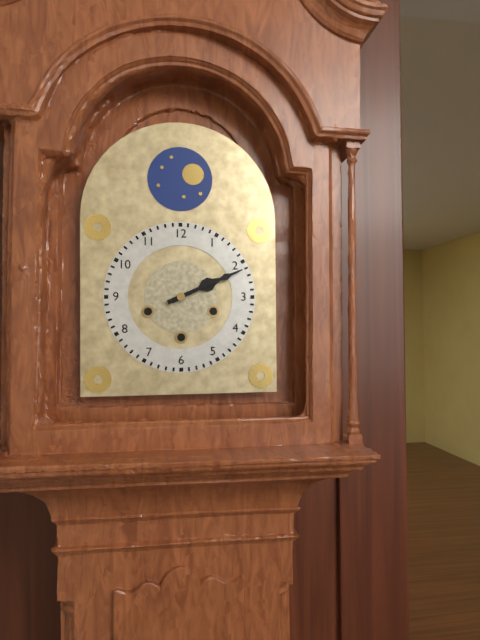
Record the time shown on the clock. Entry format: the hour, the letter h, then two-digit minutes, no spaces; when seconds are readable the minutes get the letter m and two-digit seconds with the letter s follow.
2h11
